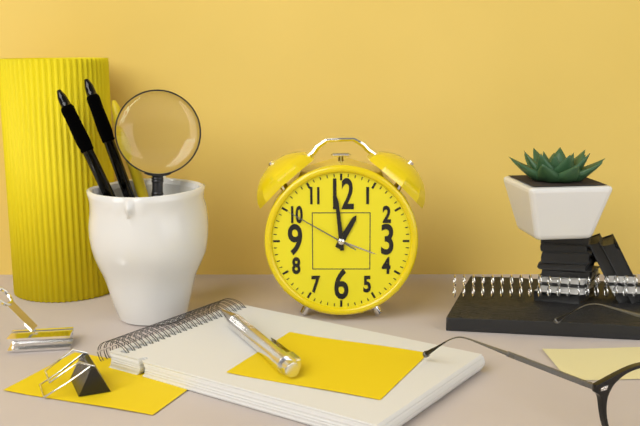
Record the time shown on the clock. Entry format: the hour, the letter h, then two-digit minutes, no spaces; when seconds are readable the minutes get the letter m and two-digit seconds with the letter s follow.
12h59m50s
